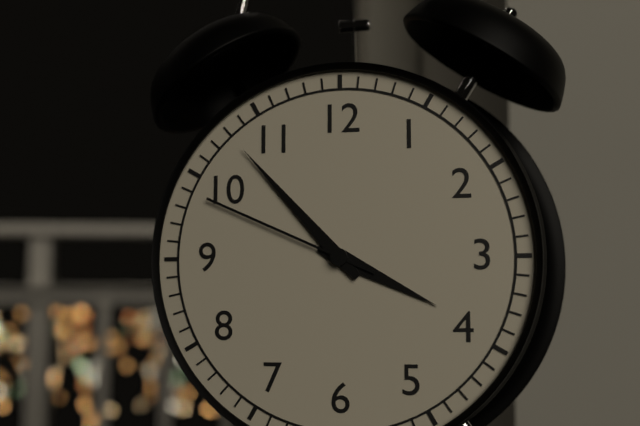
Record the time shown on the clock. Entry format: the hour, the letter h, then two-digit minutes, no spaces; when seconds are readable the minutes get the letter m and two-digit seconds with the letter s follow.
3h53m49s
